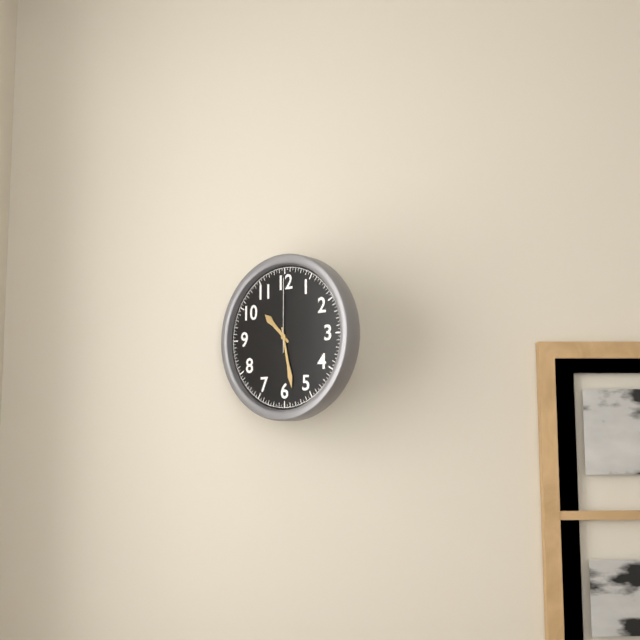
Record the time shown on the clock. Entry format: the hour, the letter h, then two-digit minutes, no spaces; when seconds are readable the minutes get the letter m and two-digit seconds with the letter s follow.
10h28m00s
